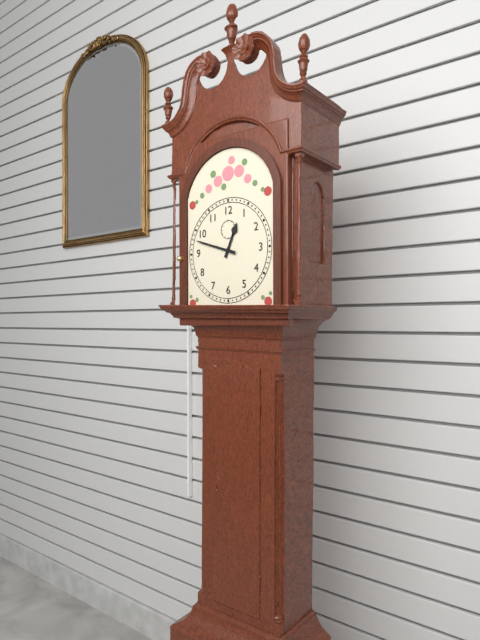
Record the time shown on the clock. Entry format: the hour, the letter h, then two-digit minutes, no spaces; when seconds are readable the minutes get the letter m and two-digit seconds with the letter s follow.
12h48
